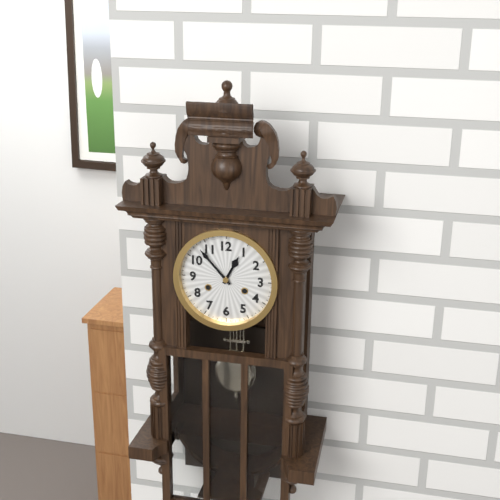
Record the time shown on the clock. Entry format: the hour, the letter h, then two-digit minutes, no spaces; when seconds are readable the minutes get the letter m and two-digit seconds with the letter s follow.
12h53
